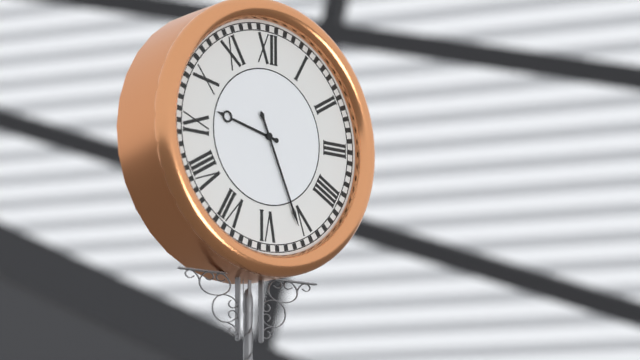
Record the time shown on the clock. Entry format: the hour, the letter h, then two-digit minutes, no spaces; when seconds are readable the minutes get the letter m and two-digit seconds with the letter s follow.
9h26
